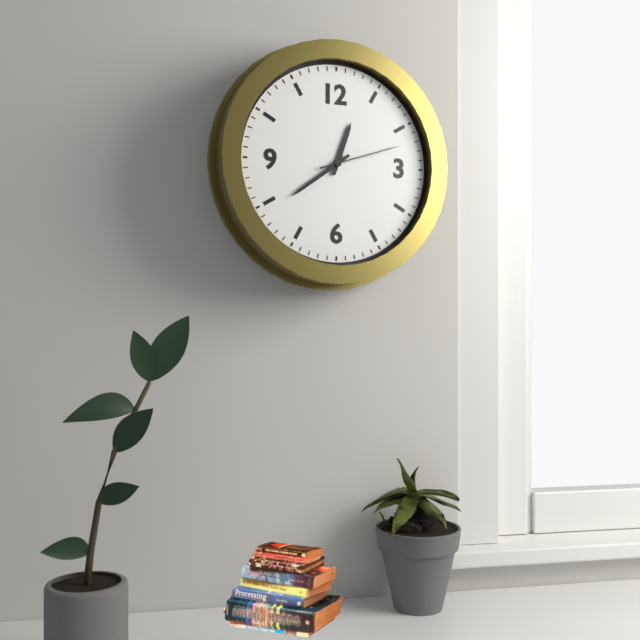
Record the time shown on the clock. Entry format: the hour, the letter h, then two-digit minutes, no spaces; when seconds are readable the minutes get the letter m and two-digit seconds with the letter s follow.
12h39m12s
